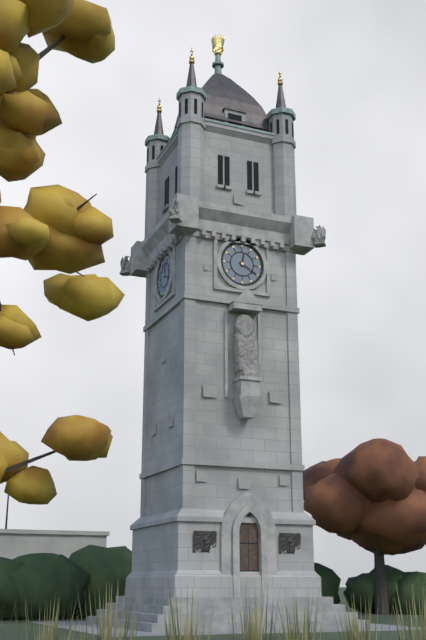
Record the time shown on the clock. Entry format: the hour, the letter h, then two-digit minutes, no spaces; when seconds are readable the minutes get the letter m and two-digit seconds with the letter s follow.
12h20
